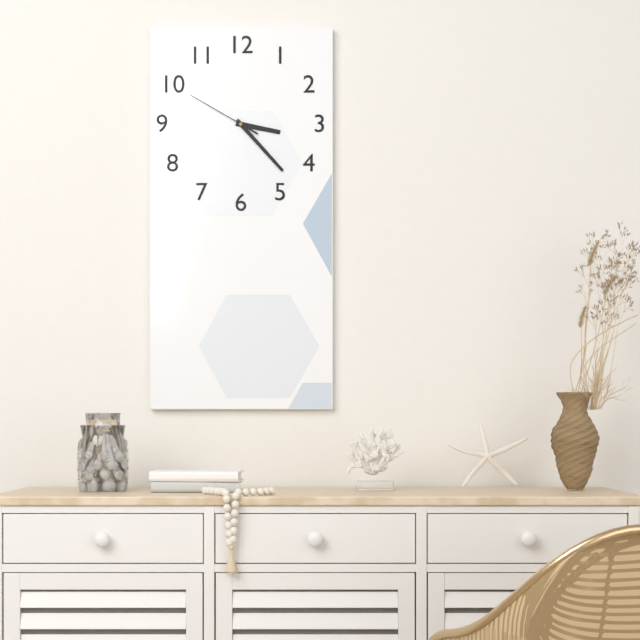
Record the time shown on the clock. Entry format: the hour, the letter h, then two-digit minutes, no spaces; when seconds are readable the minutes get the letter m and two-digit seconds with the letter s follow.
3h23m50s
